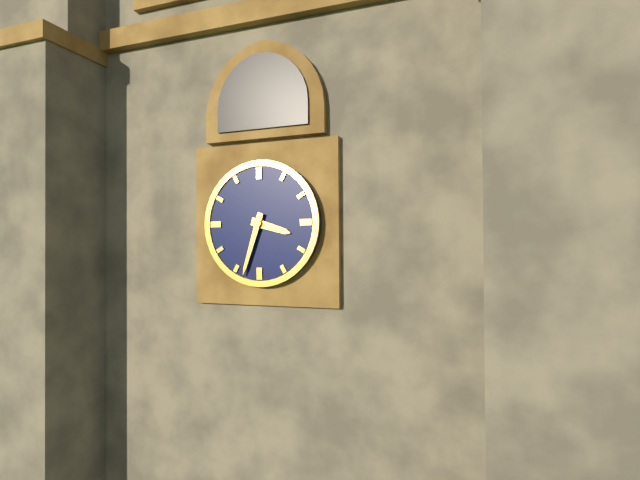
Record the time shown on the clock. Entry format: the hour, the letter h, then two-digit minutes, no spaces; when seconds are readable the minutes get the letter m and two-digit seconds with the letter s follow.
3h33
